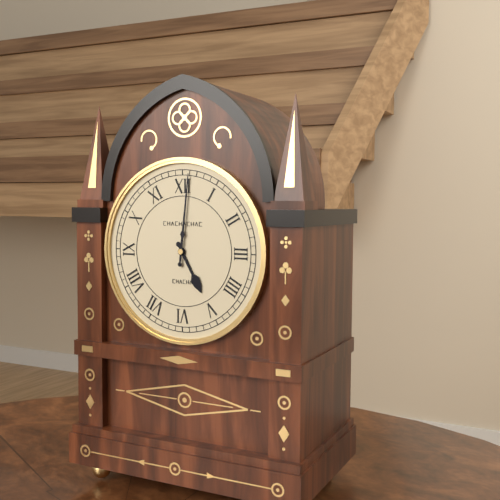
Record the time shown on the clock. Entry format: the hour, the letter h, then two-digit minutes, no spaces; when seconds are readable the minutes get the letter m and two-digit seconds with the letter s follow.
5h01
